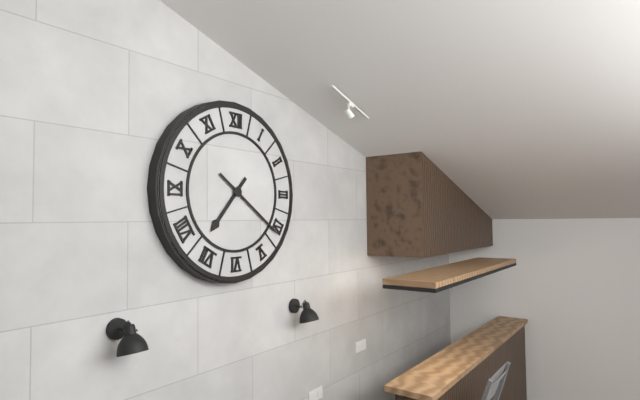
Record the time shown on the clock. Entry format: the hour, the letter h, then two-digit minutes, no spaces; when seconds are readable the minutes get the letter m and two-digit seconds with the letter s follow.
7h21
